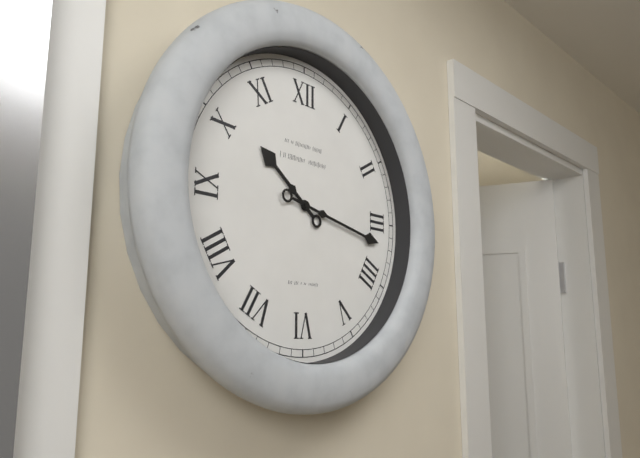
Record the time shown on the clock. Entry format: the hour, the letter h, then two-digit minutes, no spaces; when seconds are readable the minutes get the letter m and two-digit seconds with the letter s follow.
10h17
